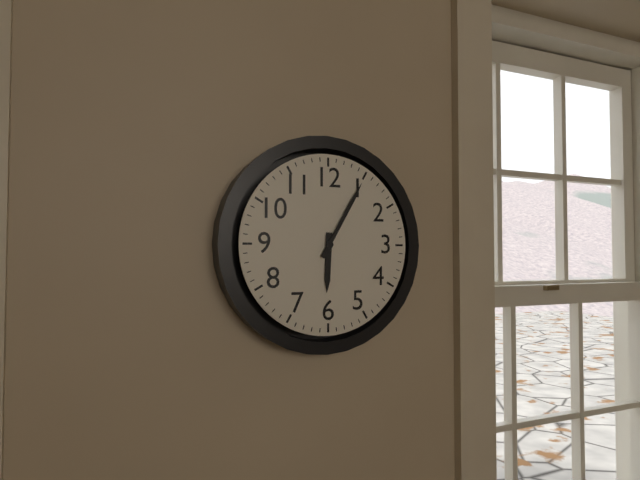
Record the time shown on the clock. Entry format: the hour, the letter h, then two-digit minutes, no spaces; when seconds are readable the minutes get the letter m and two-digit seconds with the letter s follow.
6h05
